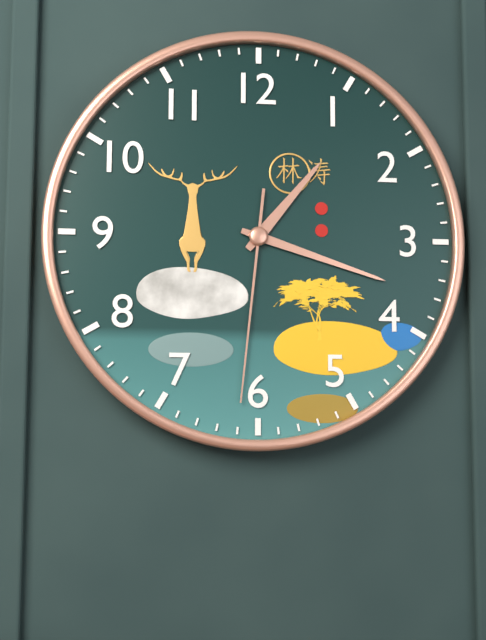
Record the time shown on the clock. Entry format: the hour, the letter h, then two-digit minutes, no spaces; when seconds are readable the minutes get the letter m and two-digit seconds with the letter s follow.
1h18m31s
